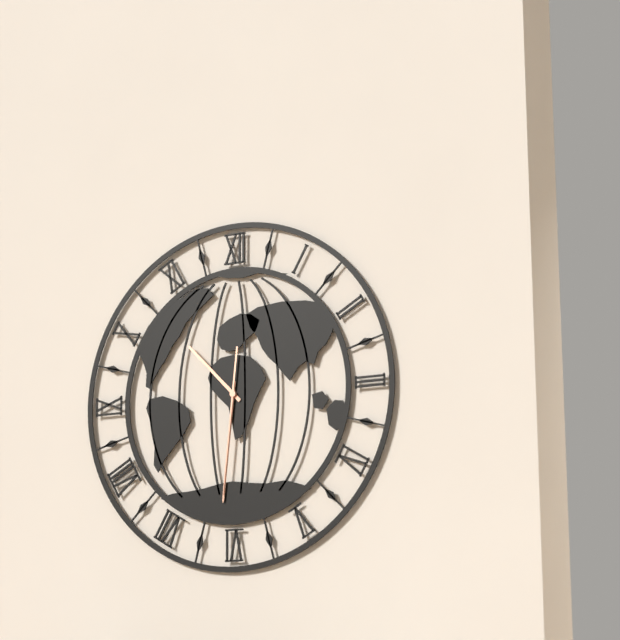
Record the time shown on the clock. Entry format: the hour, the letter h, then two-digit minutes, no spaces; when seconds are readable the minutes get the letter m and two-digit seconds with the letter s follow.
10h31m31s
